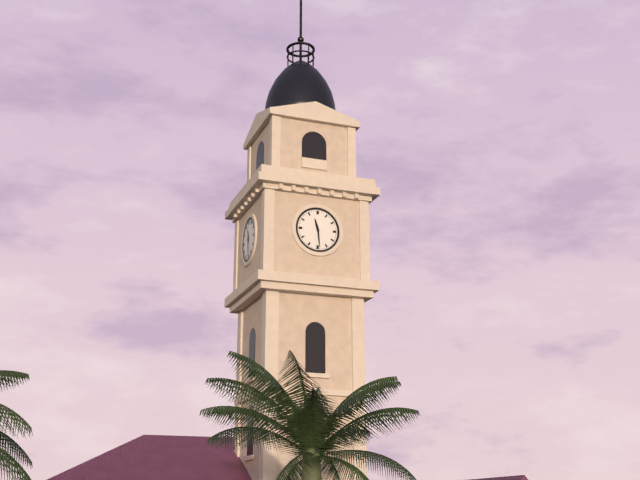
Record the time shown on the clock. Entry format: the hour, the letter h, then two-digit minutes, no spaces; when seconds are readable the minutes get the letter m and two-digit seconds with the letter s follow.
11h29
